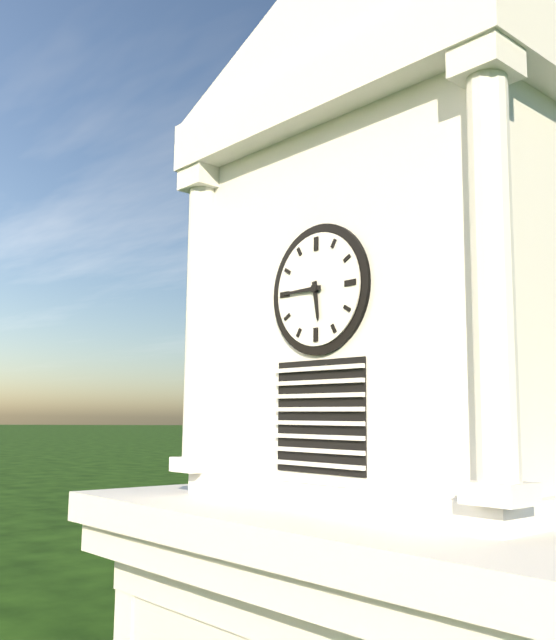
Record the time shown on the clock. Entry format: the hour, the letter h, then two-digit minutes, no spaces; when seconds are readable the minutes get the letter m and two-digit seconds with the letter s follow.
5h45
